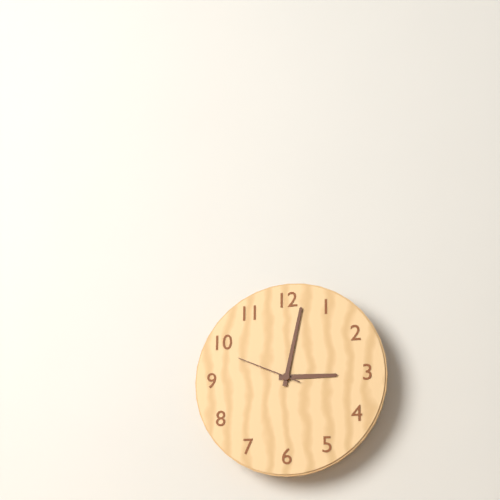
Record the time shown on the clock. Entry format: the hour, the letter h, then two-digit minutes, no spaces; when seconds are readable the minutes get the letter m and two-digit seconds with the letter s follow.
3h02m49s
